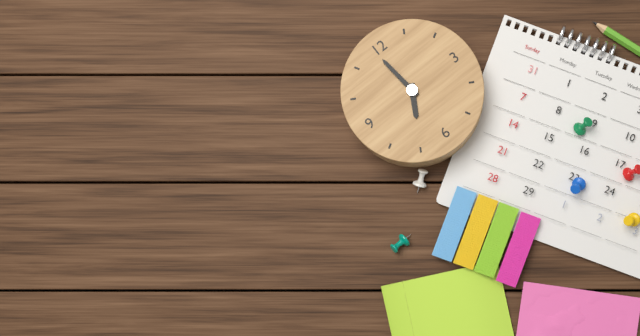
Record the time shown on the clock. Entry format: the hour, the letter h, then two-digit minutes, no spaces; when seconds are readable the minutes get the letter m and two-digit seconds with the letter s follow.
6h59
